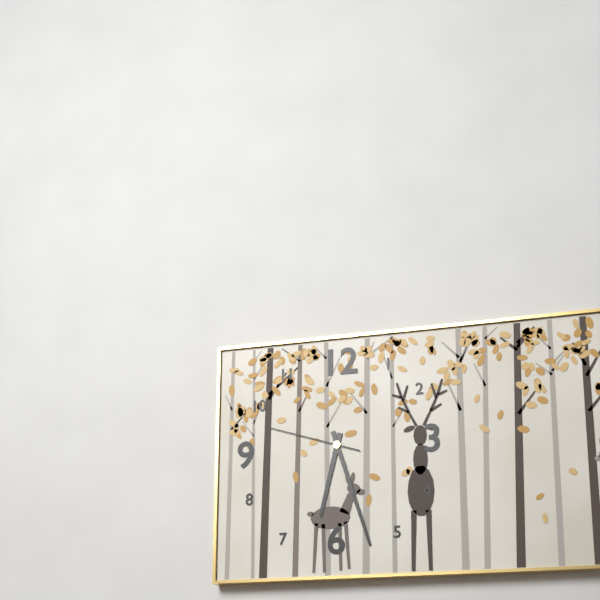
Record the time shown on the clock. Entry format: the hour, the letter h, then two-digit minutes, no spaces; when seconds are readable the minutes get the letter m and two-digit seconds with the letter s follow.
6h27m48s
